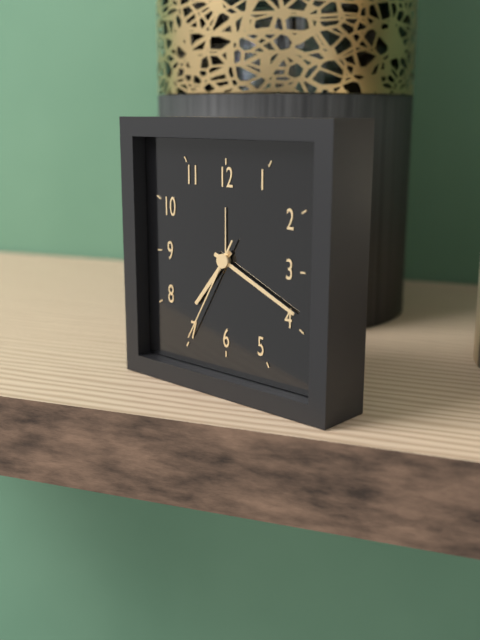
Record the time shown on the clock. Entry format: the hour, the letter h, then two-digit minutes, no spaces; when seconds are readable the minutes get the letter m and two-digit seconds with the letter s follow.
7h19m35s
